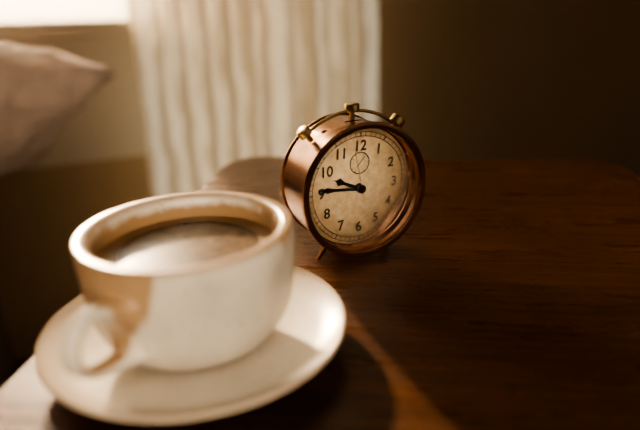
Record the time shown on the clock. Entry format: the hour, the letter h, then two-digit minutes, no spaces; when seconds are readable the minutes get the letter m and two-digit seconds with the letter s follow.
9h46m58s
